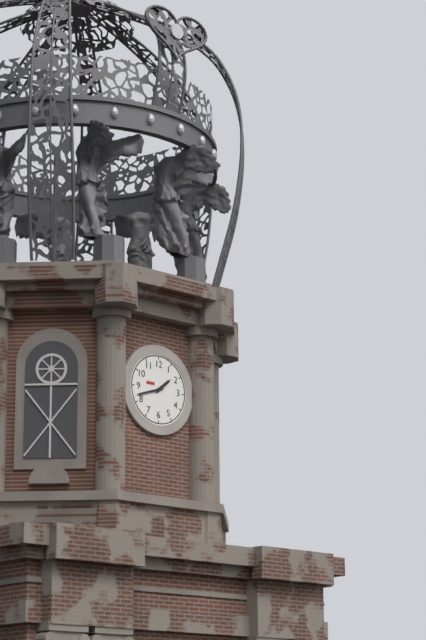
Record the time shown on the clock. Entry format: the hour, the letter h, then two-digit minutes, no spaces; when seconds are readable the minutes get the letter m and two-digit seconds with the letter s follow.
1h42
